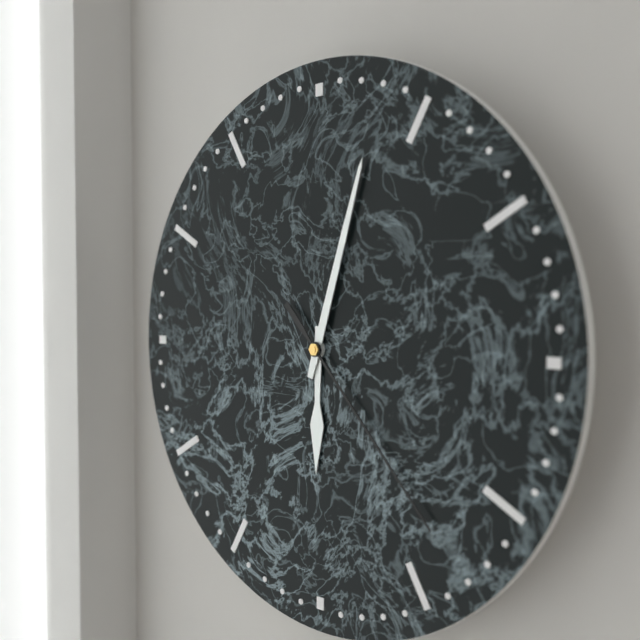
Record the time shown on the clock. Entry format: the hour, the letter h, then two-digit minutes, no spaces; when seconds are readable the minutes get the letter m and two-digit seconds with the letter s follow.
6h03m23s
